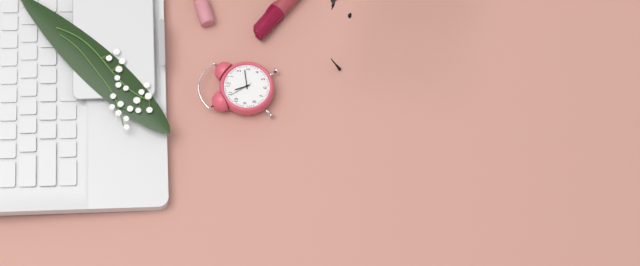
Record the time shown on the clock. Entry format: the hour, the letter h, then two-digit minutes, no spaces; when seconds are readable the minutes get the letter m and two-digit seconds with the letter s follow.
11h13
